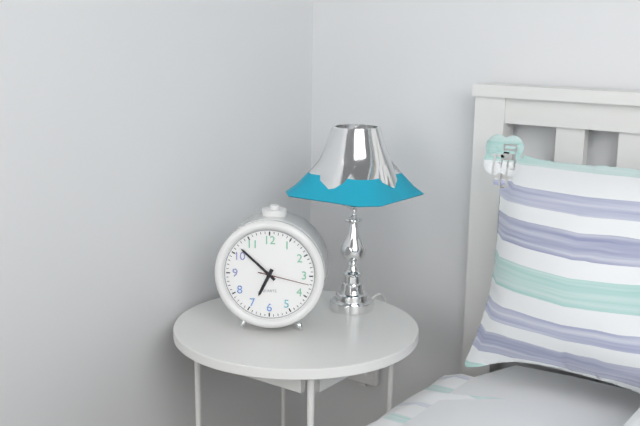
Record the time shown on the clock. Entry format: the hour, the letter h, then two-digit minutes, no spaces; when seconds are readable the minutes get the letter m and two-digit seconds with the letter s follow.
6h52m17s
